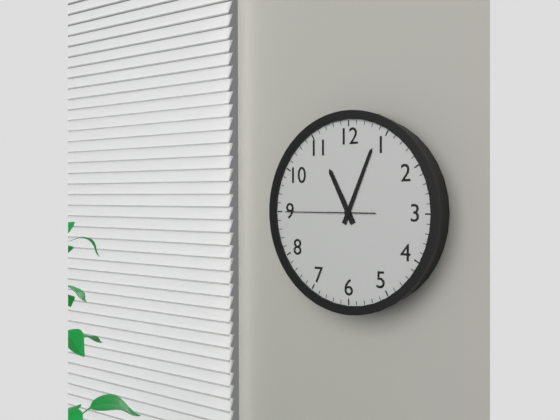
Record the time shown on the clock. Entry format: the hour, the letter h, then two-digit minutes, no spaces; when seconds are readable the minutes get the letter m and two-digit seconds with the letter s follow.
11h04m45s
